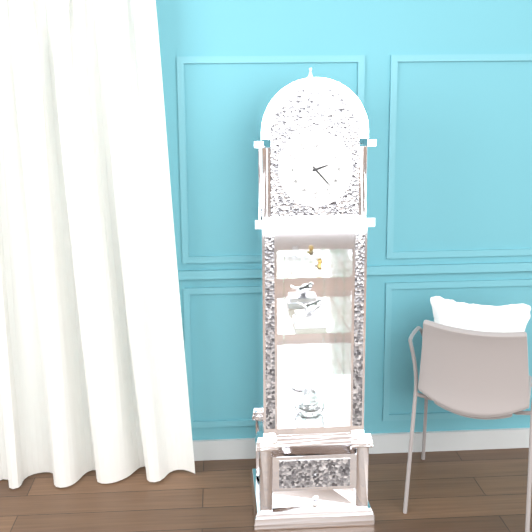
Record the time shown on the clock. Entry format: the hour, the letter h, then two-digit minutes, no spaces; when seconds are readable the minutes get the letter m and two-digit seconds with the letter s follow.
2h23
